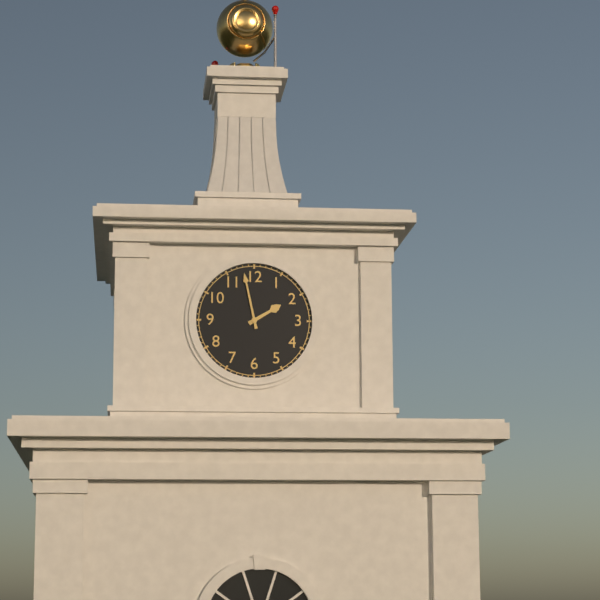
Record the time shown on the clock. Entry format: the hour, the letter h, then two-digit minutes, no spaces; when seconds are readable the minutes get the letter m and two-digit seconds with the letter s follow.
1h58
